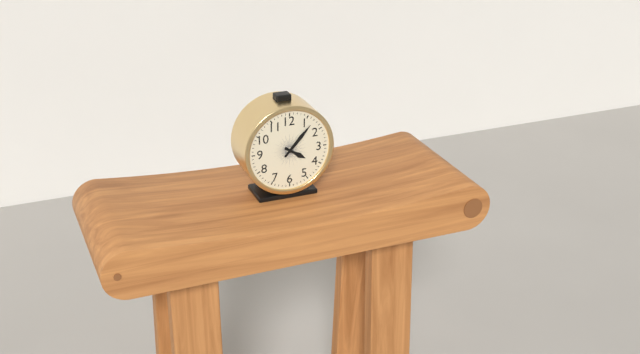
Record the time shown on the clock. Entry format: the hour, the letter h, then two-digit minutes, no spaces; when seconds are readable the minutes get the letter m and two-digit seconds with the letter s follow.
4h07
